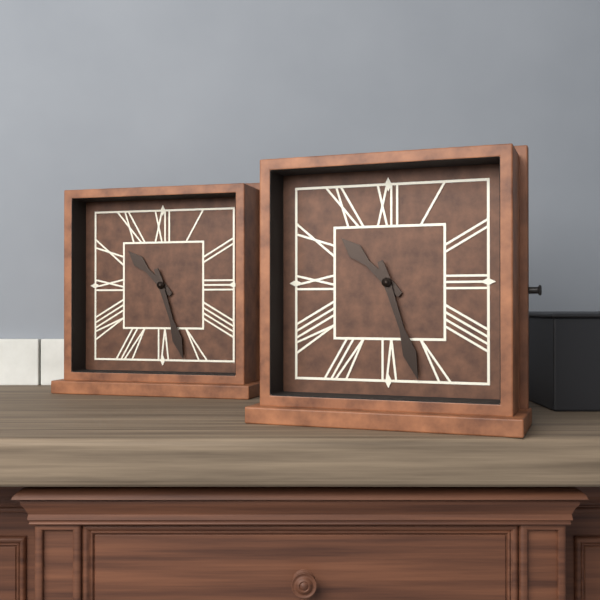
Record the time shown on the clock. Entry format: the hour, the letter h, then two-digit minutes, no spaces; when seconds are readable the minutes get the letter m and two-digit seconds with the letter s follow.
10h27
